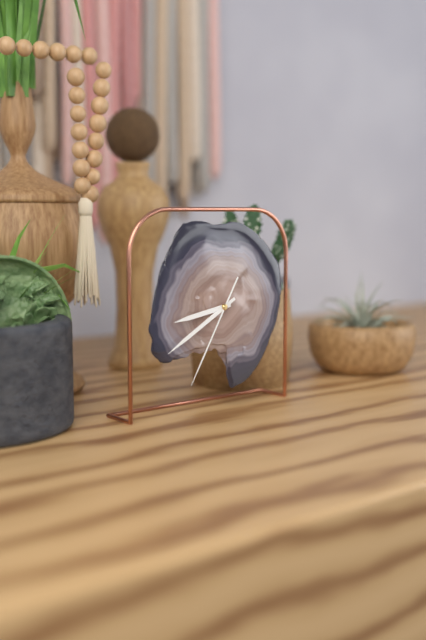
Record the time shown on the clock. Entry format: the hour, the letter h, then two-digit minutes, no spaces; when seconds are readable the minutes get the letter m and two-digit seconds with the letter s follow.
8h40m35s
